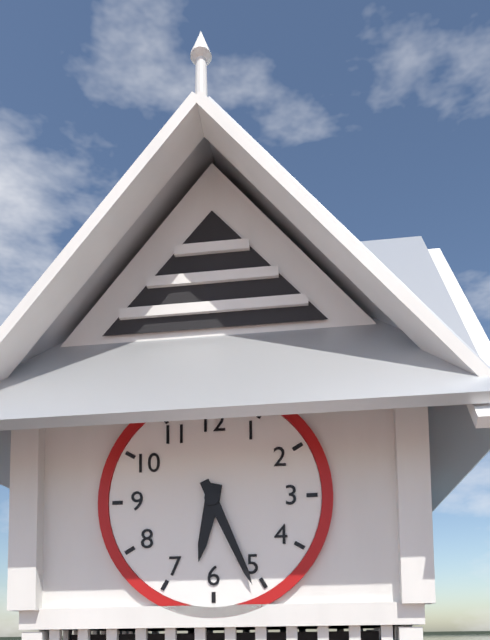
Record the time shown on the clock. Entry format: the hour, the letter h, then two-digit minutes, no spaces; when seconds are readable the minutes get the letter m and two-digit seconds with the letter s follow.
6h26
